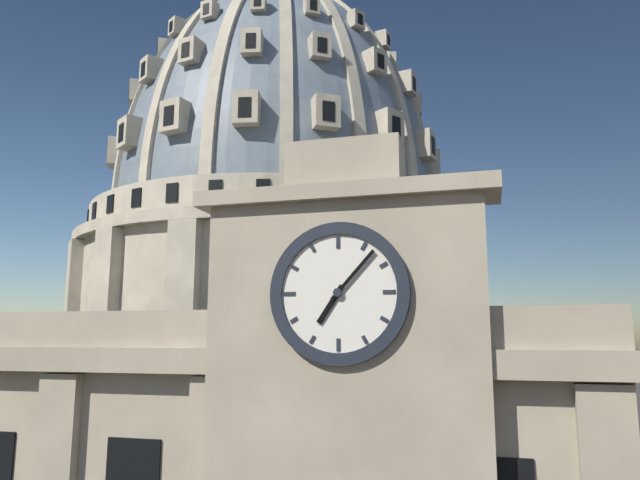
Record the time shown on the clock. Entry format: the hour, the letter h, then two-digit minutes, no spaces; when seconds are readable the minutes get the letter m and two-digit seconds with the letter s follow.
7h07
